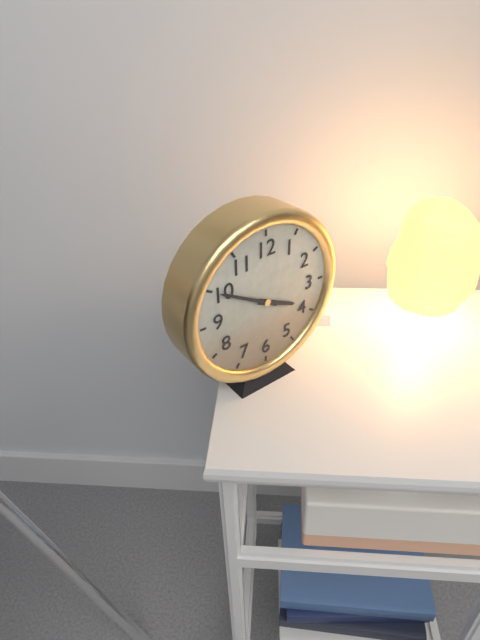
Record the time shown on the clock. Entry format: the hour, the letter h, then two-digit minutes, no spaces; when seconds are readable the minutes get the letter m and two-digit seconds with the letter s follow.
3h50
